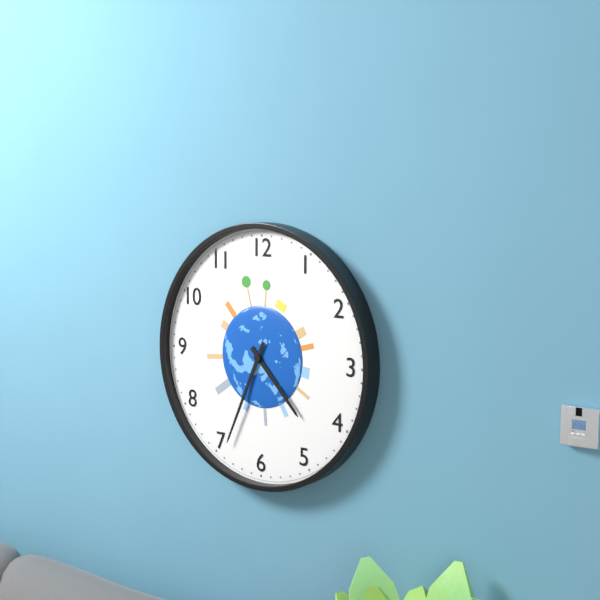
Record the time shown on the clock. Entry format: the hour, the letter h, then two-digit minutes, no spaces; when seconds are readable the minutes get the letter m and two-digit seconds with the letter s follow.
4h34
